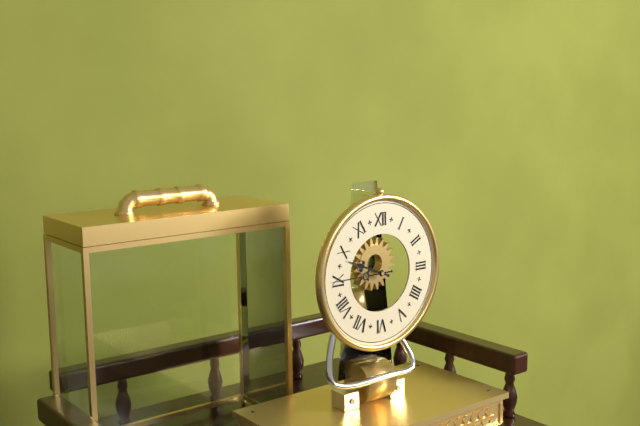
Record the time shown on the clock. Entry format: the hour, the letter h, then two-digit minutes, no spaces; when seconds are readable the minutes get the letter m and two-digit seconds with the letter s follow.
9h45
